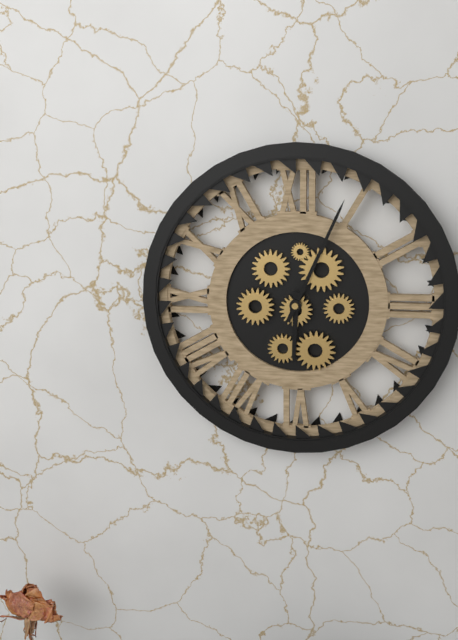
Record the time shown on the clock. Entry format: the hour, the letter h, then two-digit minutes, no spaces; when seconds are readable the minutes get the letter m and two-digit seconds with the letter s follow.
6h04
